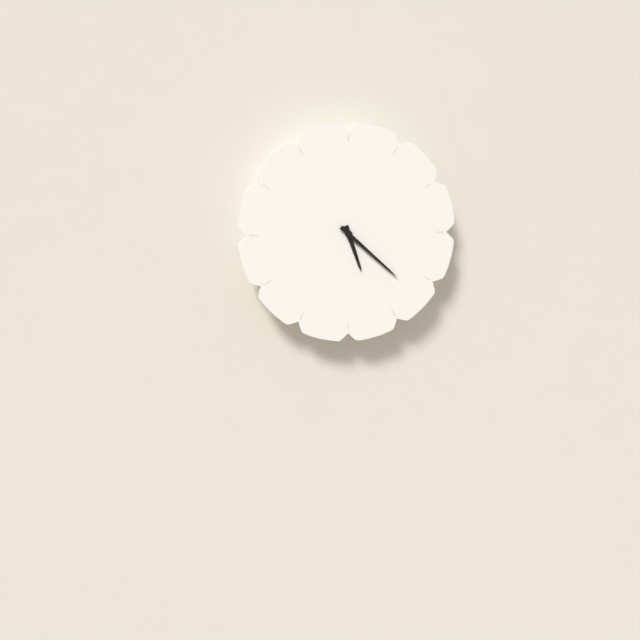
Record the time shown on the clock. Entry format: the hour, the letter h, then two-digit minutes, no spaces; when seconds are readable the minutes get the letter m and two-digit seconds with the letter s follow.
5h22
